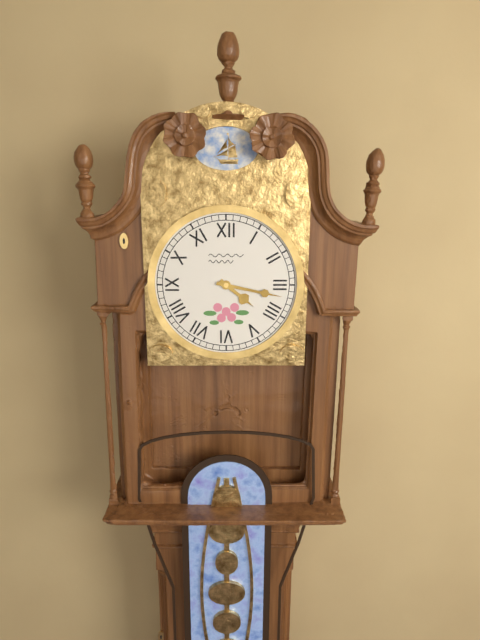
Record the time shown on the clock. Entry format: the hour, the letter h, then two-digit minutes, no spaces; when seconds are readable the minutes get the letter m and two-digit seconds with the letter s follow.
4h17
